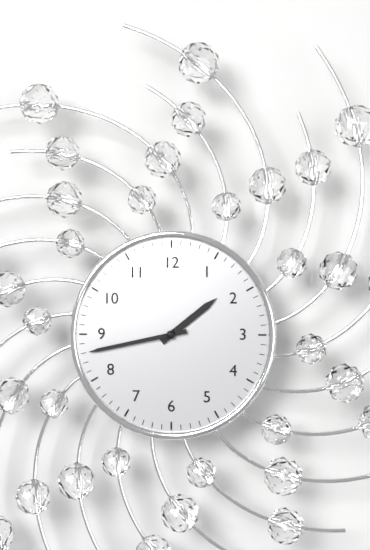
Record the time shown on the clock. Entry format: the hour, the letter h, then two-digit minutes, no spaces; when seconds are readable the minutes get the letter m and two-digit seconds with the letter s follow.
1h43
